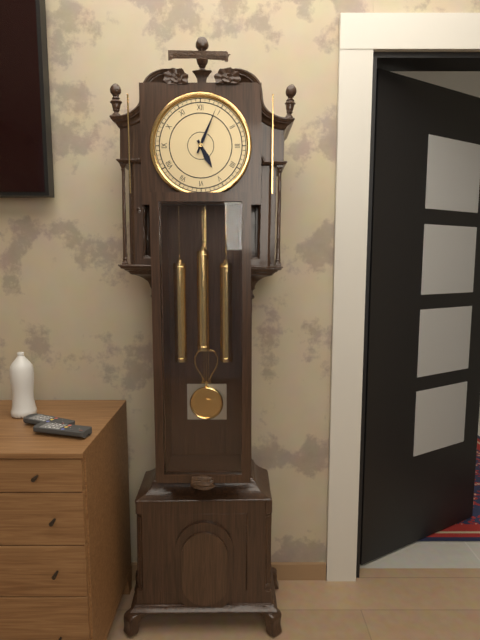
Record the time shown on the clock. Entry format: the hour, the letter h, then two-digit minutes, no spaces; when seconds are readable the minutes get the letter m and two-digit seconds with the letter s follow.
5h04
